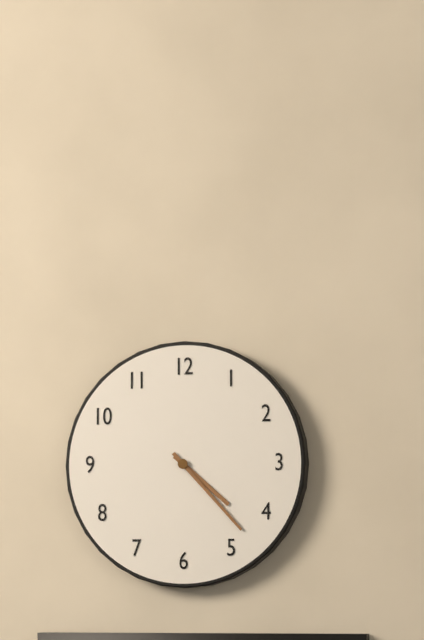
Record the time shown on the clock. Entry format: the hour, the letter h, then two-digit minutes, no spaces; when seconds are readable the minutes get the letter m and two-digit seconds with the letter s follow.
4h23
